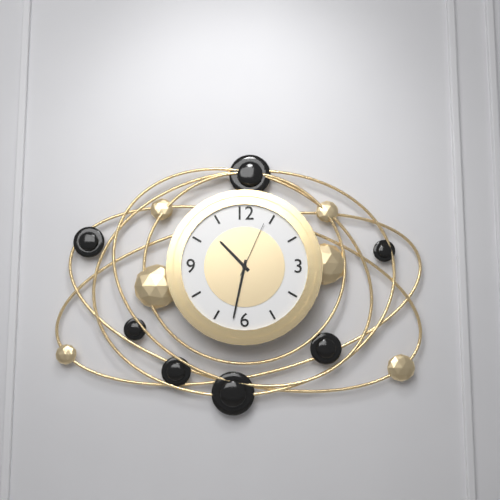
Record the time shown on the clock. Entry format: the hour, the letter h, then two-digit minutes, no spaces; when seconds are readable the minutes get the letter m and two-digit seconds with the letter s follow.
10h32m04s
